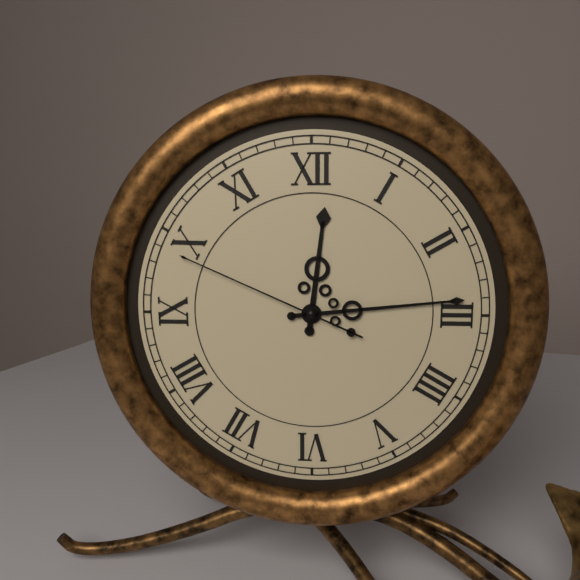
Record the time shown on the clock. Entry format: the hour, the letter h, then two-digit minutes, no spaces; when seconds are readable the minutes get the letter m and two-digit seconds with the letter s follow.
12h14m49s
